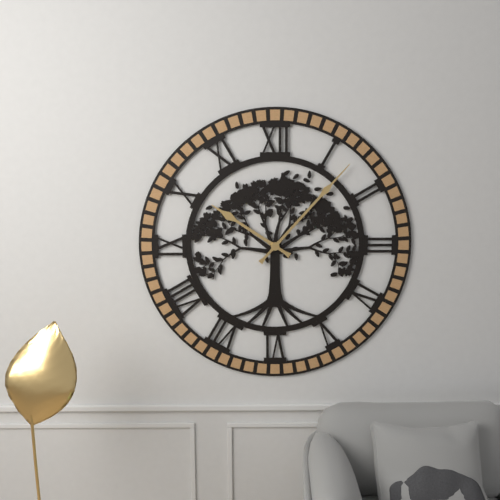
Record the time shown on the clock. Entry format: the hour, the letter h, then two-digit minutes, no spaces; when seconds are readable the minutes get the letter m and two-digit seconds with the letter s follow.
10h07
